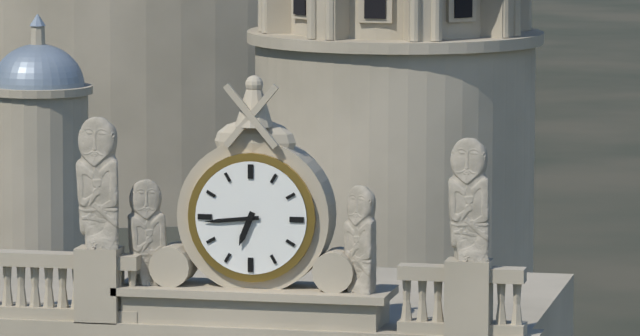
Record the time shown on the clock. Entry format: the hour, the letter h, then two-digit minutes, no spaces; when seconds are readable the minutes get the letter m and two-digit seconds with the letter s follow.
6h44
